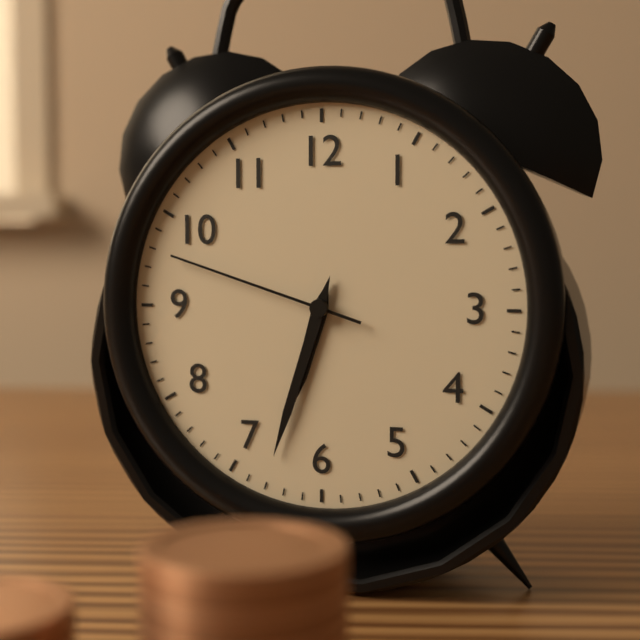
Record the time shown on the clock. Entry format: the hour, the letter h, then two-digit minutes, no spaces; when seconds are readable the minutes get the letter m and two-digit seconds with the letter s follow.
6h33m48s
